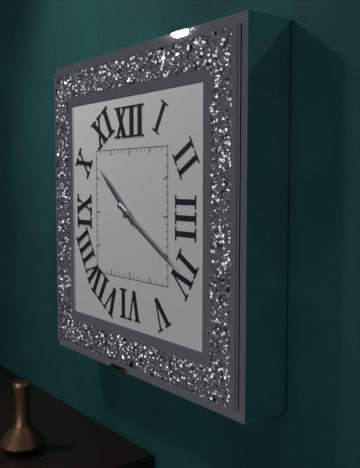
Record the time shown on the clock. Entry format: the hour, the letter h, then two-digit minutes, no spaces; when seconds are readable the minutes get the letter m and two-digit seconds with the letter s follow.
10h20
